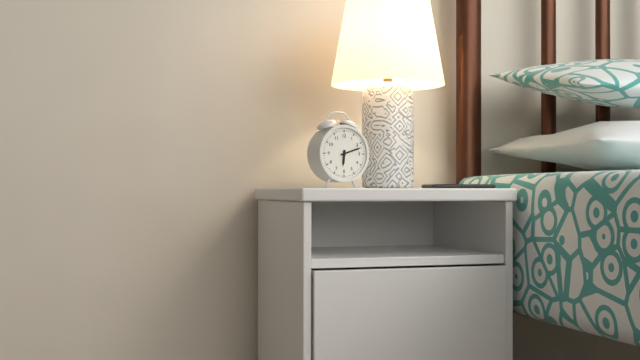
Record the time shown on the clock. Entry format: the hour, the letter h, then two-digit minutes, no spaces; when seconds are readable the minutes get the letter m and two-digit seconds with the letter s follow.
6h12
